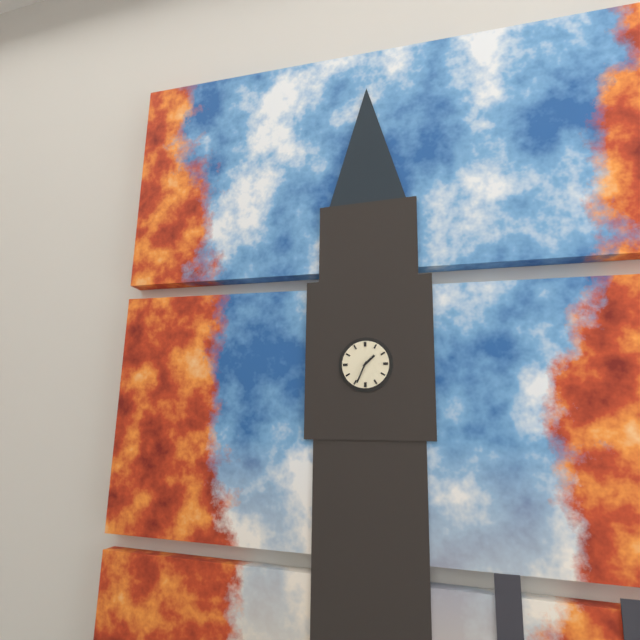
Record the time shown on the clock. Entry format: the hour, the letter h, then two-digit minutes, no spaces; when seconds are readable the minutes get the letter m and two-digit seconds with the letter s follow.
1h34
